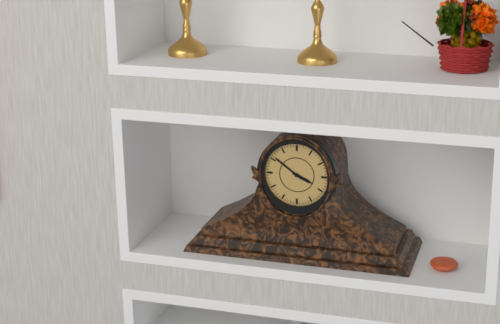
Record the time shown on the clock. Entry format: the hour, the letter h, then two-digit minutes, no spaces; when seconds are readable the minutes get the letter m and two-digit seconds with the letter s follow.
3h51
